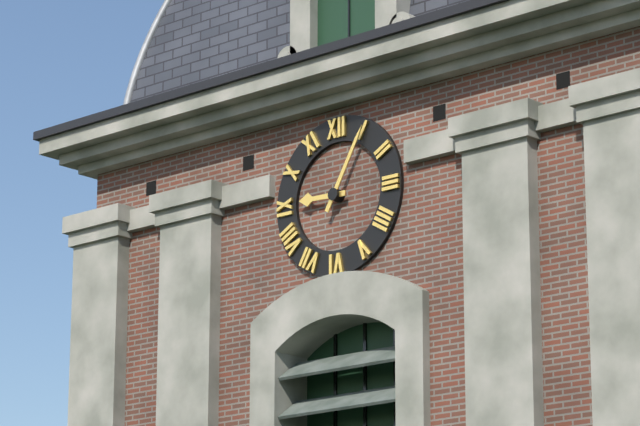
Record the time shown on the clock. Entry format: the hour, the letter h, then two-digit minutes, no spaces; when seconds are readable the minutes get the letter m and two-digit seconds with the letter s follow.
9h05
